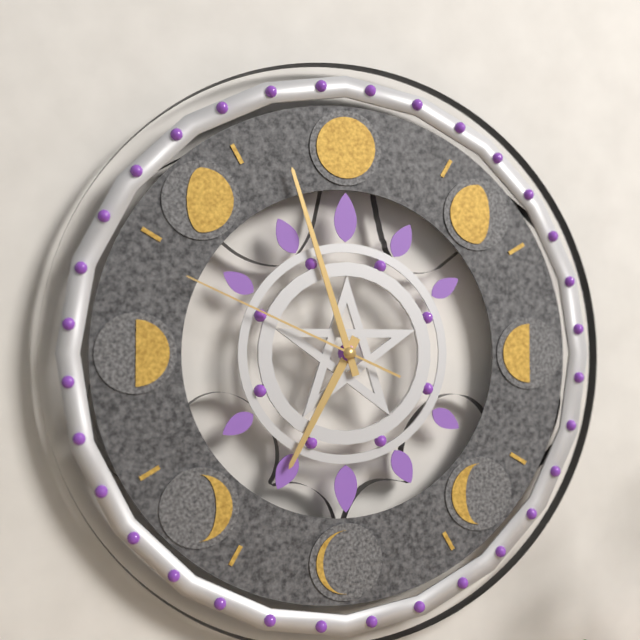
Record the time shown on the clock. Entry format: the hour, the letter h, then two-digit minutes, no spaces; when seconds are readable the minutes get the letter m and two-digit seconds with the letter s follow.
6h57m49s
